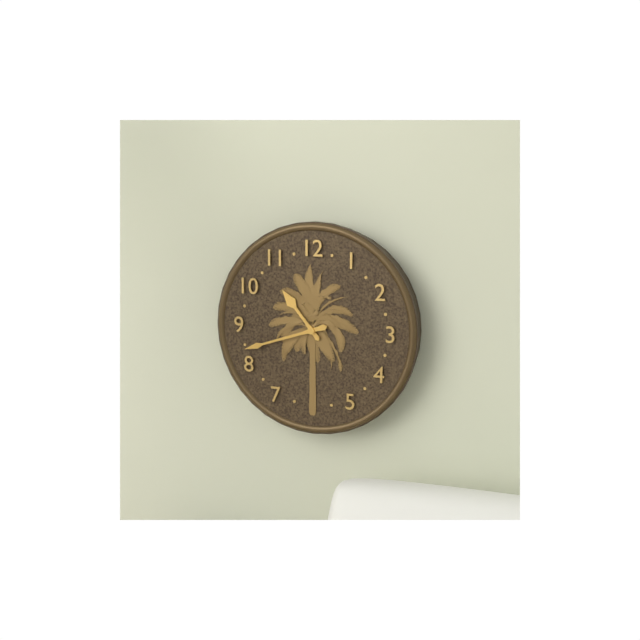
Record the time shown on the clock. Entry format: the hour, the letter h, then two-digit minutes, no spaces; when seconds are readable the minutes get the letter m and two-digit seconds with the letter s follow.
10h42
